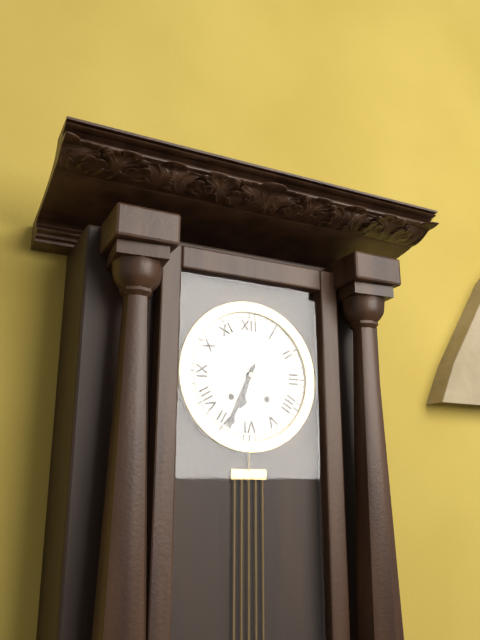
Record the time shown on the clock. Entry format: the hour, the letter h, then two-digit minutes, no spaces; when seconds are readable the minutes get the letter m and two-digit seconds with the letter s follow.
6h34
